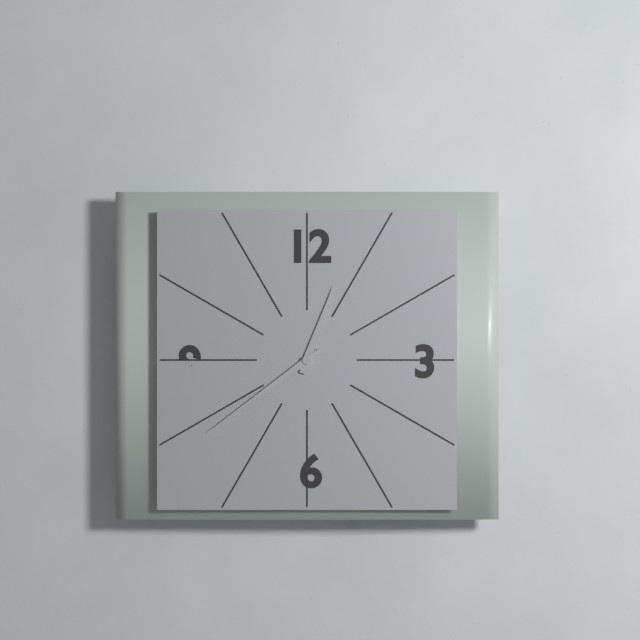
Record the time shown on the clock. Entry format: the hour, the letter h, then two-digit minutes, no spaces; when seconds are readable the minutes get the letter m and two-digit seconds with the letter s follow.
12h39
